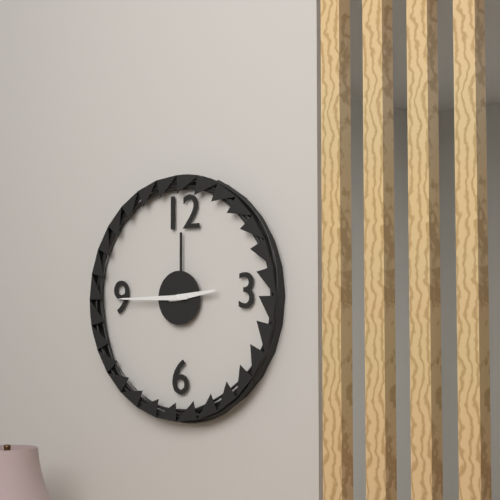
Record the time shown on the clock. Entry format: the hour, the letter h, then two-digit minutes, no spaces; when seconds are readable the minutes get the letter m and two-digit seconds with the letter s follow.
2h45
